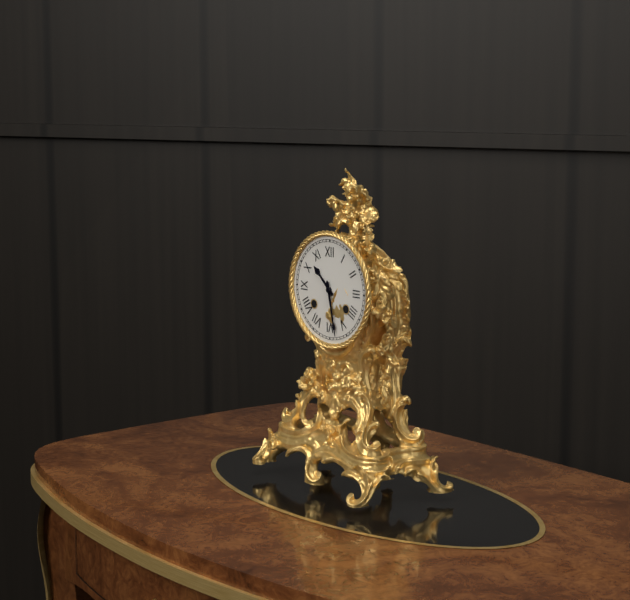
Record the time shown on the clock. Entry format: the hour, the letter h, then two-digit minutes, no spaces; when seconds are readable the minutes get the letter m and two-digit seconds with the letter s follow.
10h28
